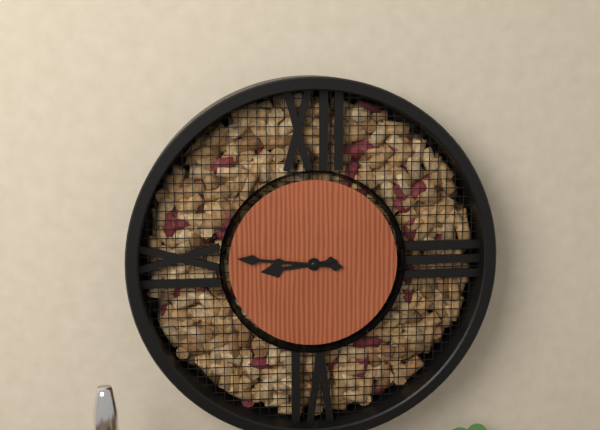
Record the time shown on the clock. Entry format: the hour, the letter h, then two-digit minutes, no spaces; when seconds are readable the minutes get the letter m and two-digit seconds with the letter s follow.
8h46
